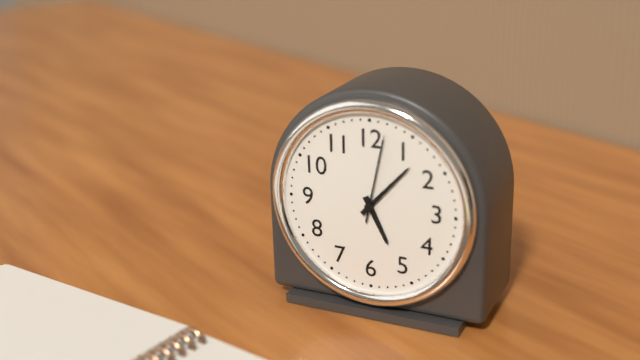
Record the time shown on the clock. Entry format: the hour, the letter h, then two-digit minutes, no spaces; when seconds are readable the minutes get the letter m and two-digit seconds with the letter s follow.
5h07m02s
